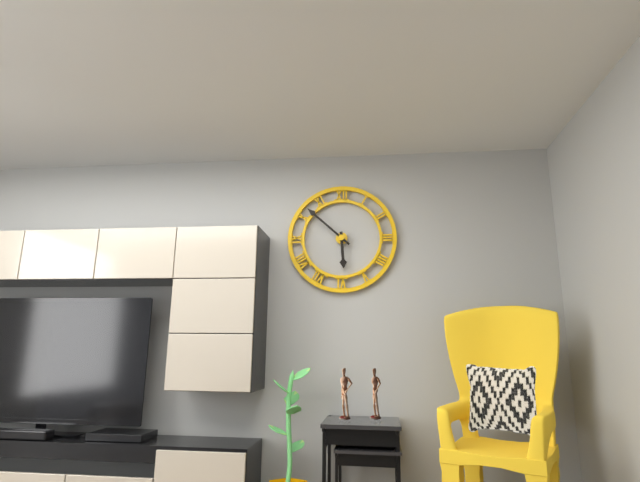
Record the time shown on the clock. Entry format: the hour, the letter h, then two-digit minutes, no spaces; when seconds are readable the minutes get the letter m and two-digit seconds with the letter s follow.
5h52
